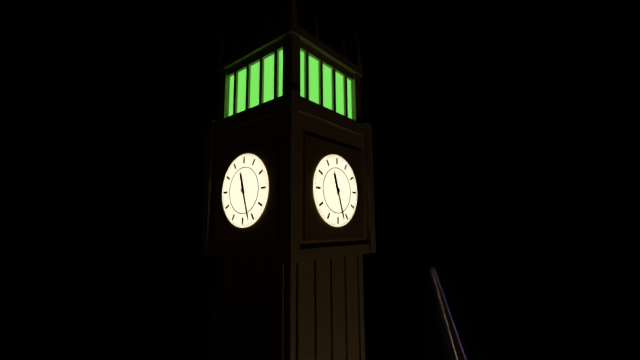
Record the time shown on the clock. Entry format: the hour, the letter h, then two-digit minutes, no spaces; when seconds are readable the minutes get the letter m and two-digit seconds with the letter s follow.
11h27
